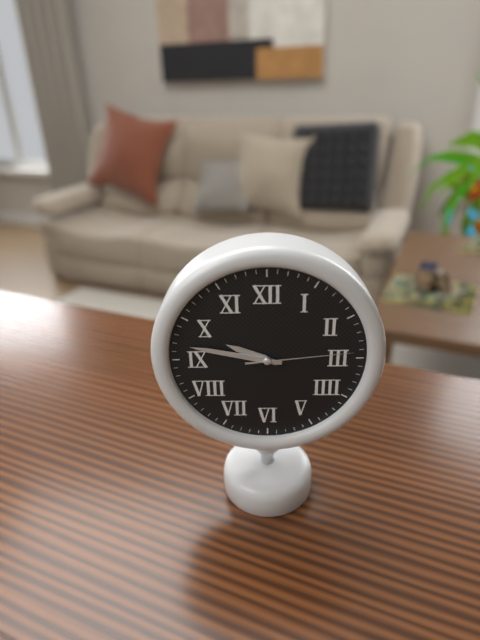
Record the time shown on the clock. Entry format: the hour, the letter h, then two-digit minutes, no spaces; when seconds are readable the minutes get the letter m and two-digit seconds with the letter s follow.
9h47m14s
